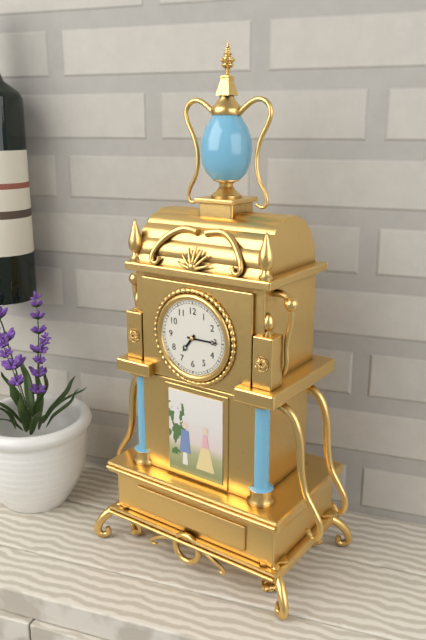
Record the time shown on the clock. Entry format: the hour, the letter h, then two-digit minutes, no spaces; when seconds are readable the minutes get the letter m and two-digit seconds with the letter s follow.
7h15
